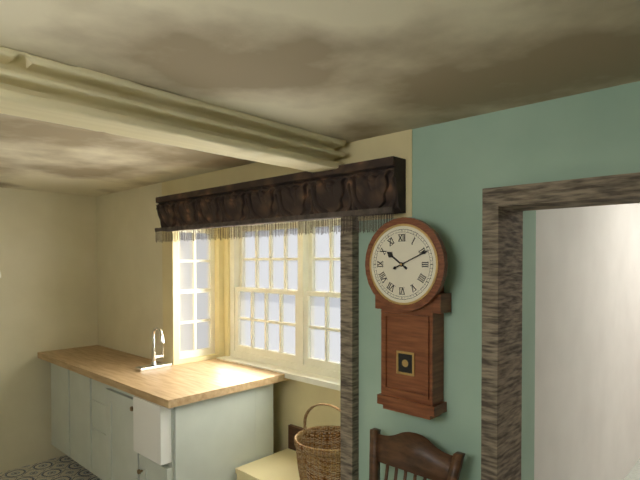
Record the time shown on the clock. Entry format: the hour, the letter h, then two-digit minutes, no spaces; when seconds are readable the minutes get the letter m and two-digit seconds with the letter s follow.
10h11
